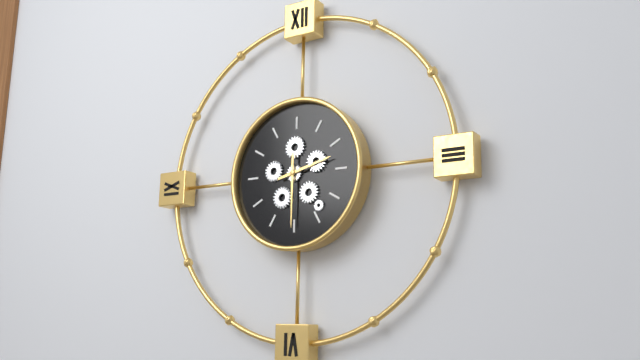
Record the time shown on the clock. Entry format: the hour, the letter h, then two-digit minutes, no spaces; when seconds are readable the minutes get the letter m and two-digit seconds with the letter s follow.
2h30
